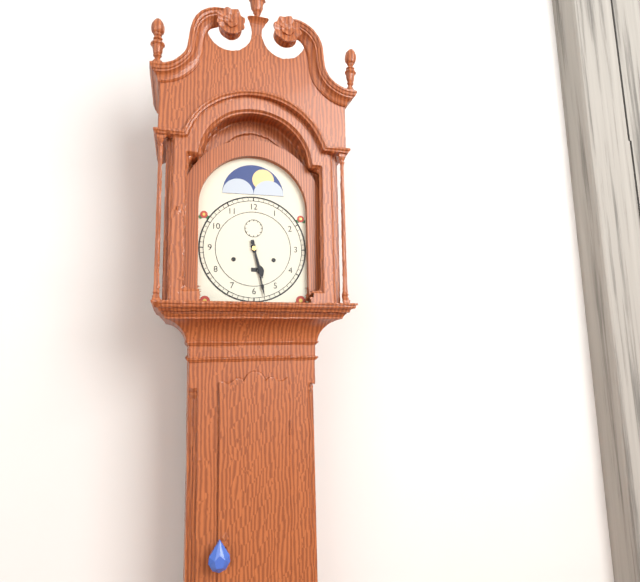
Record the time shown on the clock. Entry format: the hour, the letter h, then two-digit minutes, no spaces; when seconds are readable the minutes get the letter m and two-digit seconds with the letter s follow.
5h28
